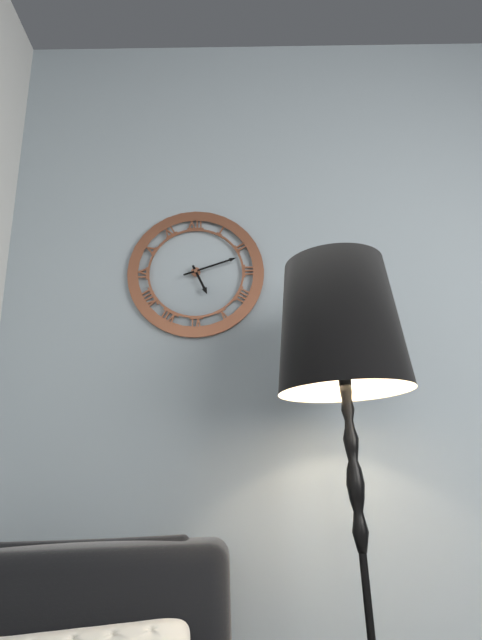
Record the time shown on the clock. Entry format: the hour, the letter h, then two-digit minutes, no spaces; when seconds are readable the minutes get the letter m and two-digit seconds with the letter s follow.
5h12
